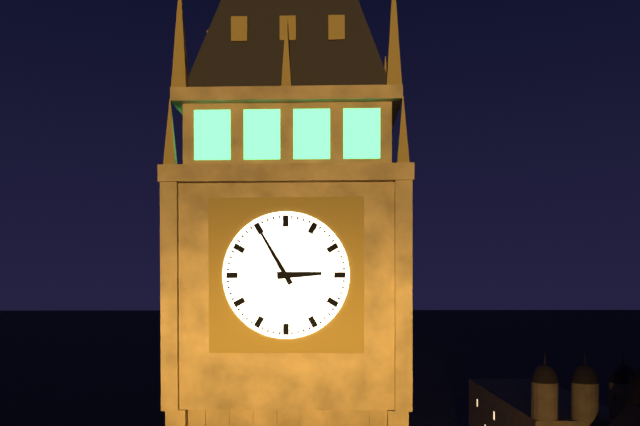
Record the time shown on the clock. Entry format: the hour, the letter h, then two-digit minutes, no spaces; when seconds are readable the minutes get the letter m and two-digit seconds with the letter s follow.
2h55
